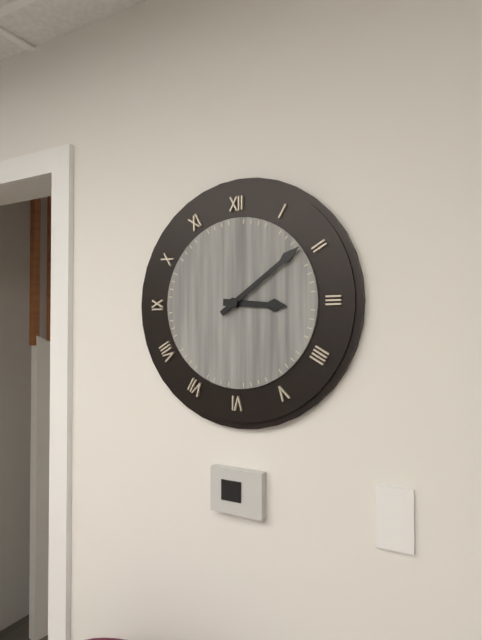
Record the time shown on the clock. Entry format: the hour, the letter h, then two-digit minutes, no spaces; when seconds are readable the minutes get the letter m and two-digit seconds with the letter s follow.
3h09
